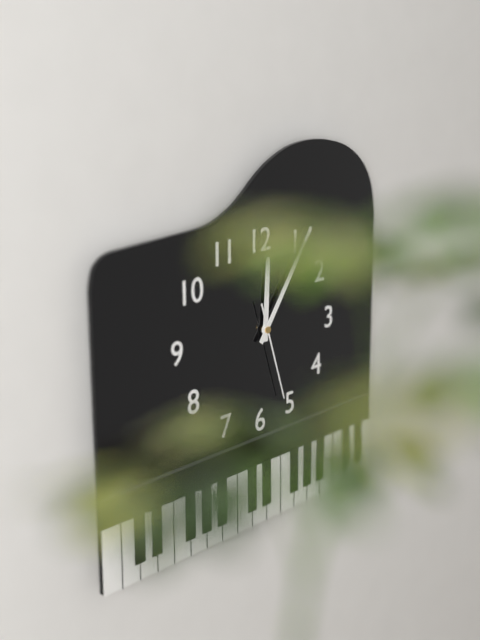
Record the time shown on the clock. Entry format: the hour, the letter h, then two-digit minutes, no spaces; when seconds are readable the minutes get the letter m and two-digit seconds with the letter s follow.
12h06m27s
